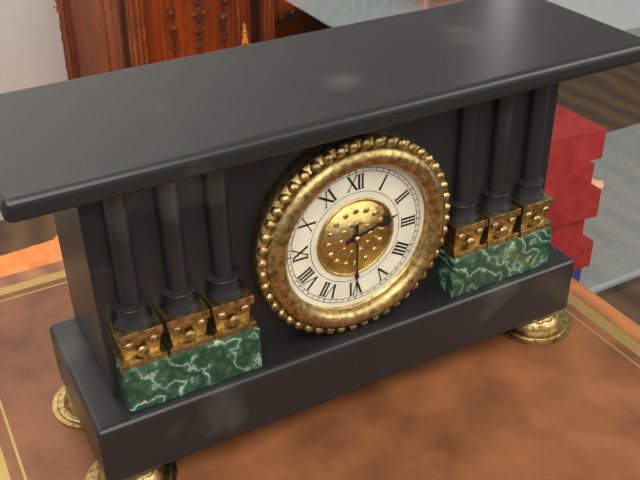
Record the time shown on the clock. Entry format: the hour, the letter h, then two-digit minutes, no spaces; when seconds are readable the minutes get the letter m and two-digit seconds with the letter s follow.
2h30
